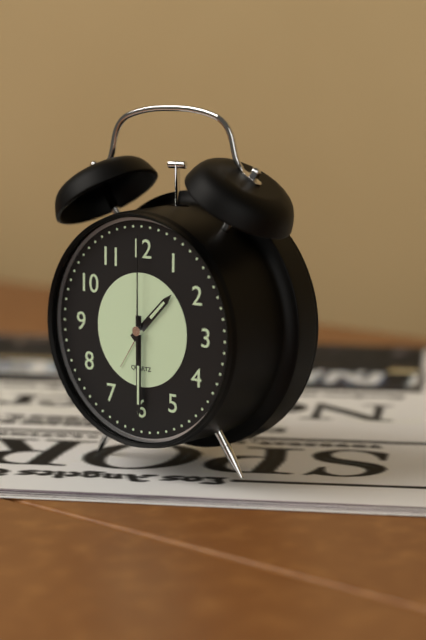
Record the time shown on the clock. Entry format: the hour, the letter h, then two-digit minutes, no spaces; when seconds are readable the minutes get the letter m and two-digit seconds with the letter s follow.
1h30m00s
